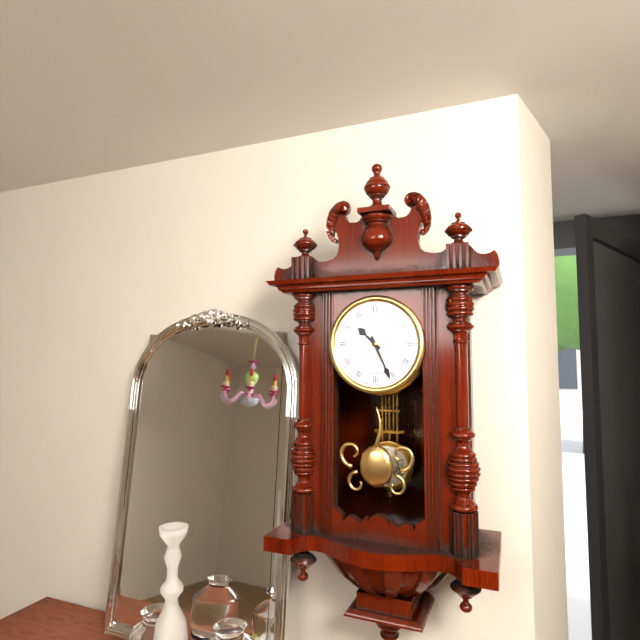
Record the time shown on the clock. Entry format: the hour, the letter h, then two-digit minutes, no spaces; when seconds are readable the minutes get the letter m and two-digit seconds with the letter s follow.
10h26
